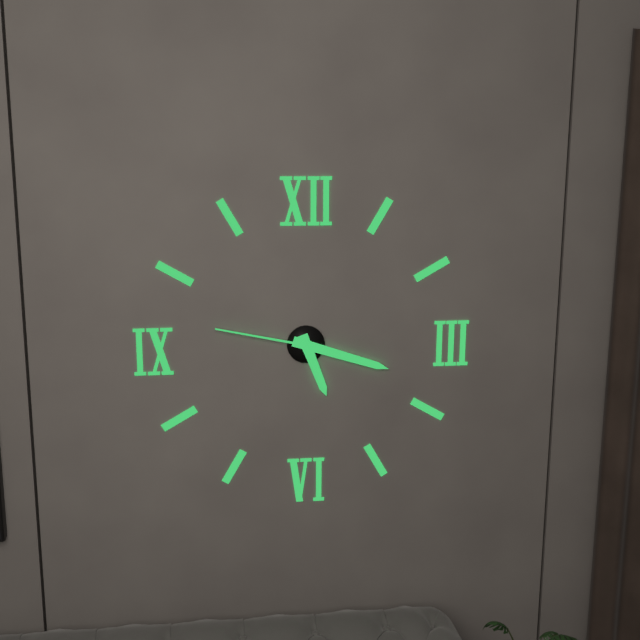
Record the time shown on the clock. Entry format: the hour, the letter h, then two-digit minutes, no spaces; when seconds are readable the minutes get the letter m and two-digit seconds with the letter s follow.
5h18m47s
